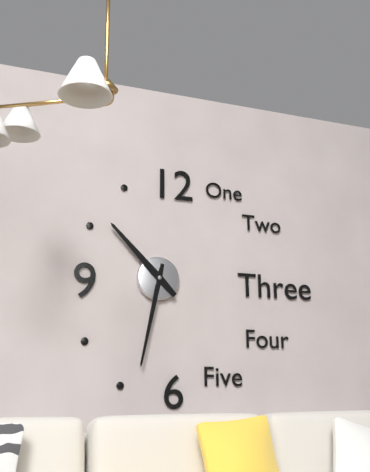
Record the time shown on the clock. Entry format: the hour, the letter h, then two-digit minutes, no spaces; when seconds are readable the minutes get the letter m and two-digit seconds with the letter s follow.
10h32
